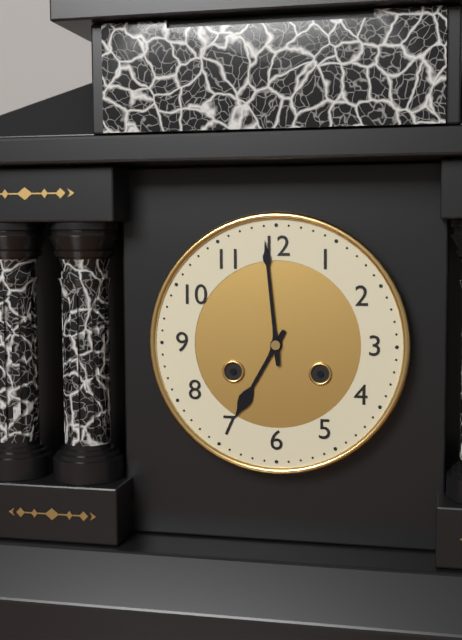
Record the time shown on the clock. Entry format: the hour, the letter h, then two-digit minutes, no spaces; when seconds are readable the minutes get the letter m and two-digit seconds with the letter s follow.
6h59
